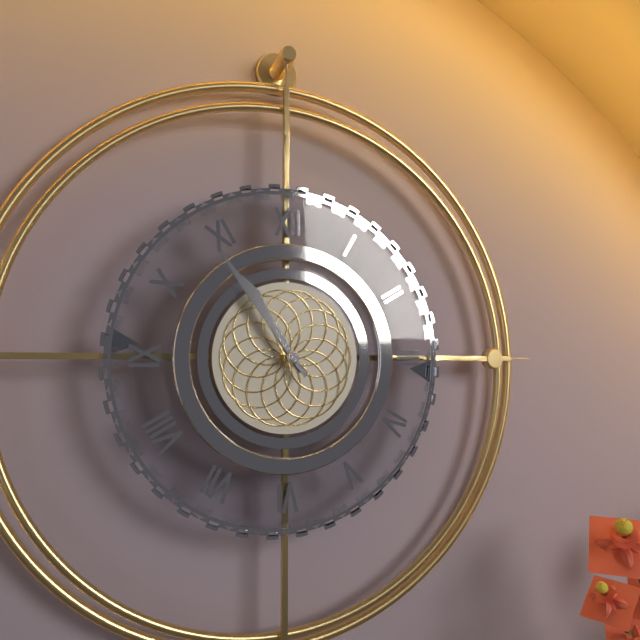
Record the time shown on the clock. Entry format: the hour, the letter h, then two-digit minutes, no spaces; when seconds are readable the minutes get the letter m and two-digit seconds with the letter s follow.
10h54
